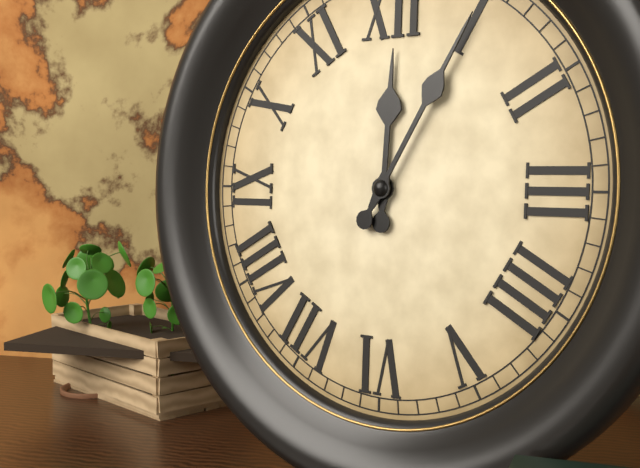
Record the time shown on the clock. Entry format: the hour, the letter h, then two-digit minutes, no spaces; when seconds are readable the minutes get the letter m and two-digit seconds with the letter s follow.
12h05
